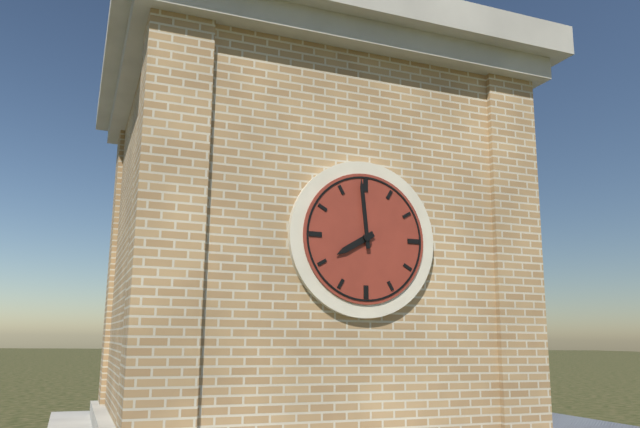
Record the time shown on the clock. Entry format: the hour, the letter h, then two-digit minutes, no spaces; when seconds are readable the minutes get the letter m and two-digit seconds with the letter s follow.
7h59
